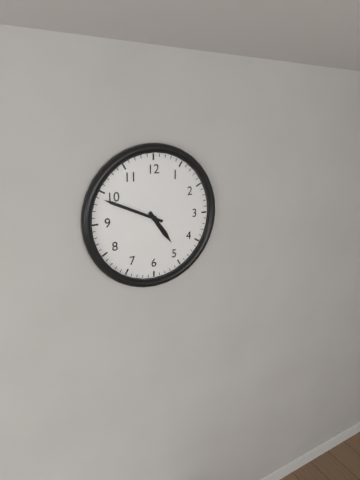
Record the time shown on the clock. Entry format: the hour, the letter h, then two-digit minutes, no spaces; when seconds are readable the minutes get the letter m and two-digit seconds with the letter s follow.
4h49
